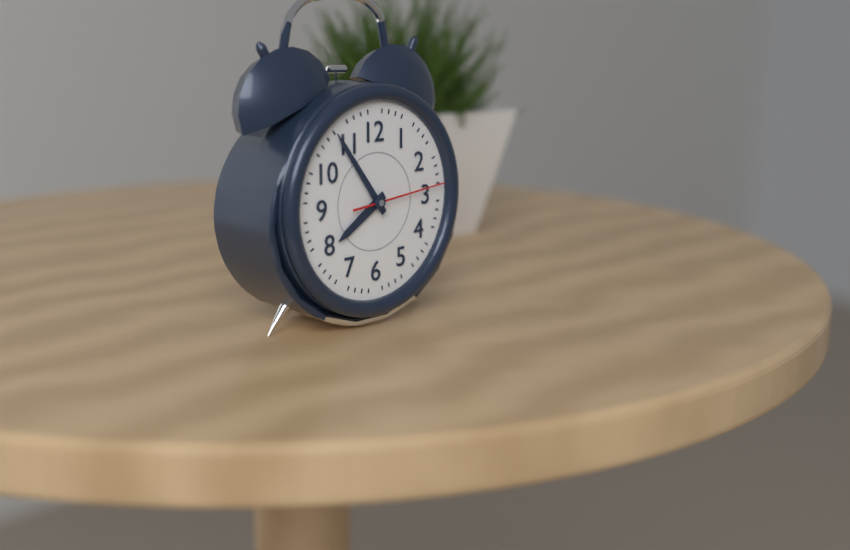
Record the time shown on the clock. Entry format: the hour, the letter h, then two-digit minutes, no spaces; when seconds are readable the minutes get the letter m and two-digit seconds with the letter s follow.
7h54m14s
